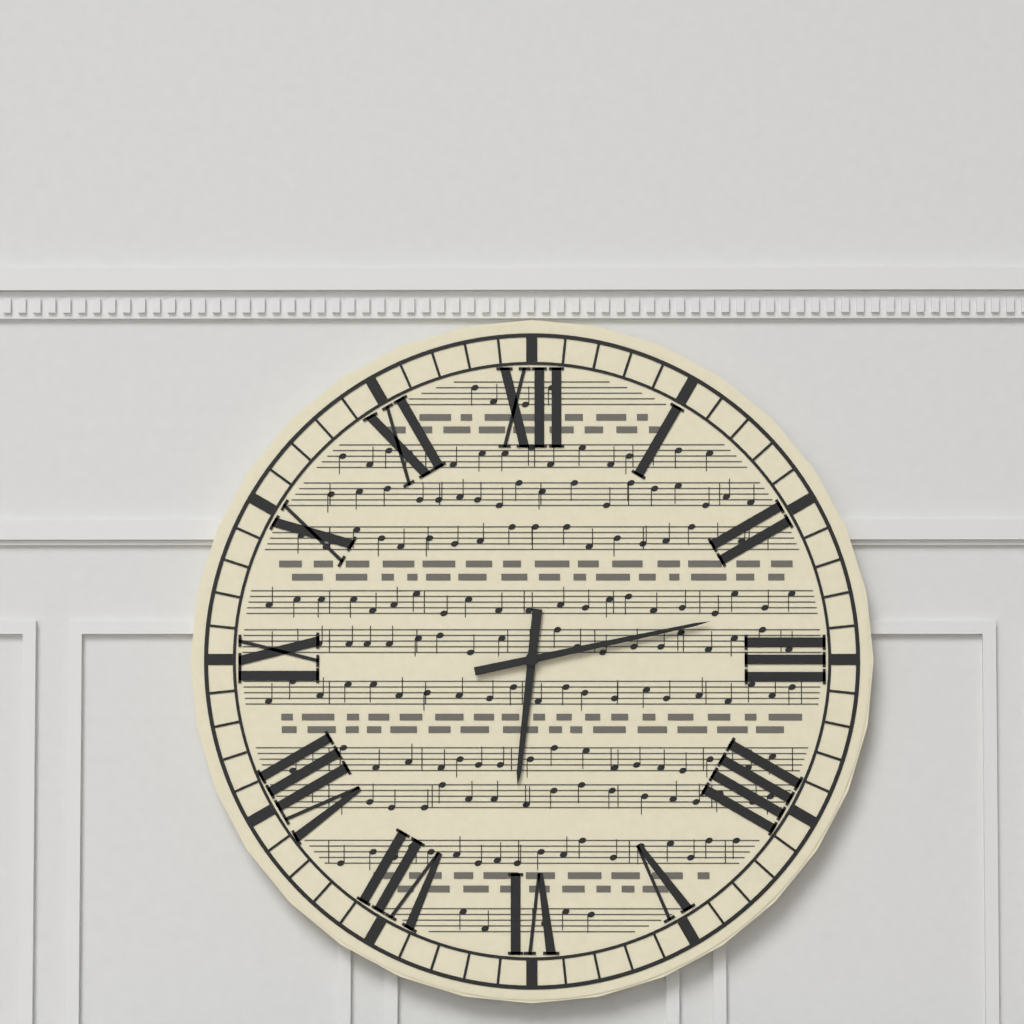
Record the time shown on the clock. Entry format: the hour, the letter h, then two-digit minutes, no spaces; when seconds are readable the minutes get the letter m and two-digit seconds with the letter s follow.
6h13
